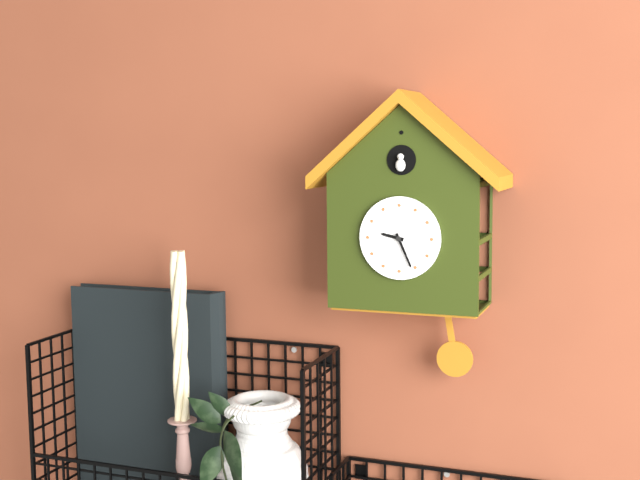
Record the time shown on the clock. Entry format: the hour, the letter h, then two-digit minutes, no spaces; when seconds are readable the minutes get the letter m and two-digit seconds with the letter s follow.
9h26
